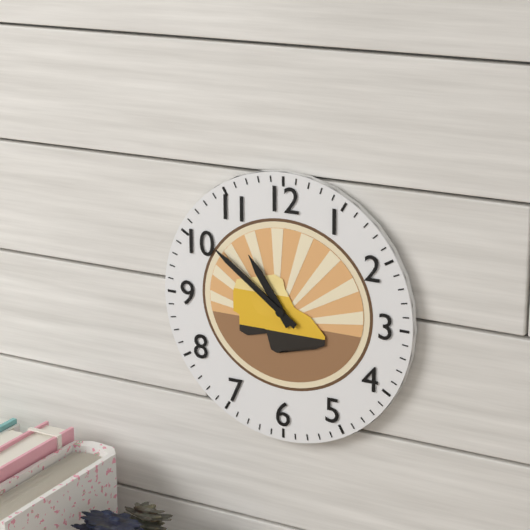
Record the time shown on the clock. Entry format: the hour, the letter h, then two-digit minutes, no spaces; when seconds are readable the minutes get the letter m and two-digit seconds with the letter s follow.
10h51
